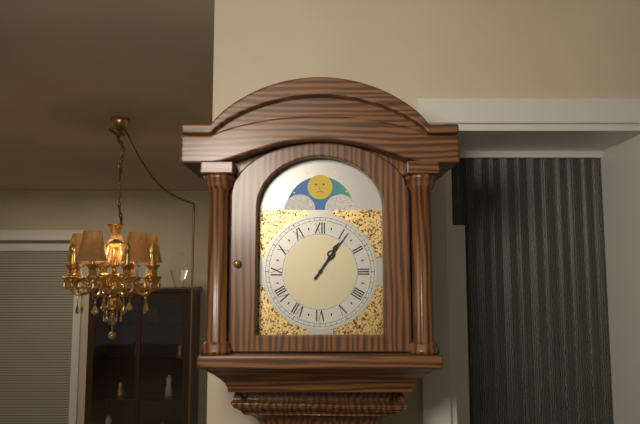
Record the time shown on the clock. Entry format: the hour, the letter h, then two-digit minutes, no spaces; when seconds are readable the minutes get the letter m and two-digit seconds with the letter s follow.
1h06
